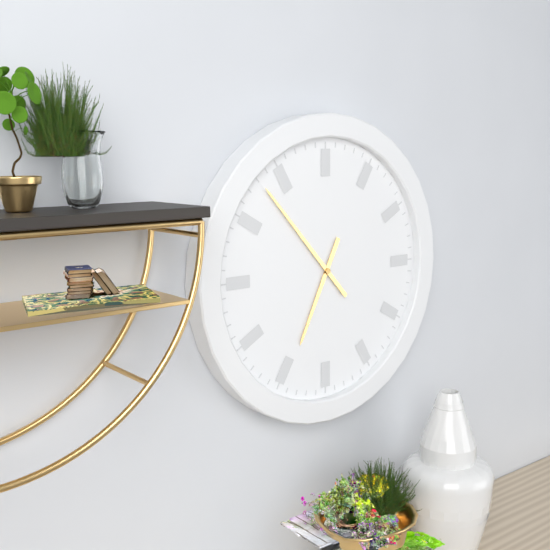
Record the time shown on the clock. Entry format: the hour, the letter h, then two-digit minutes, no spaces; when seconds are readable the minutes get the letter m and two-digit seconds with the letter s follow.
6h53
